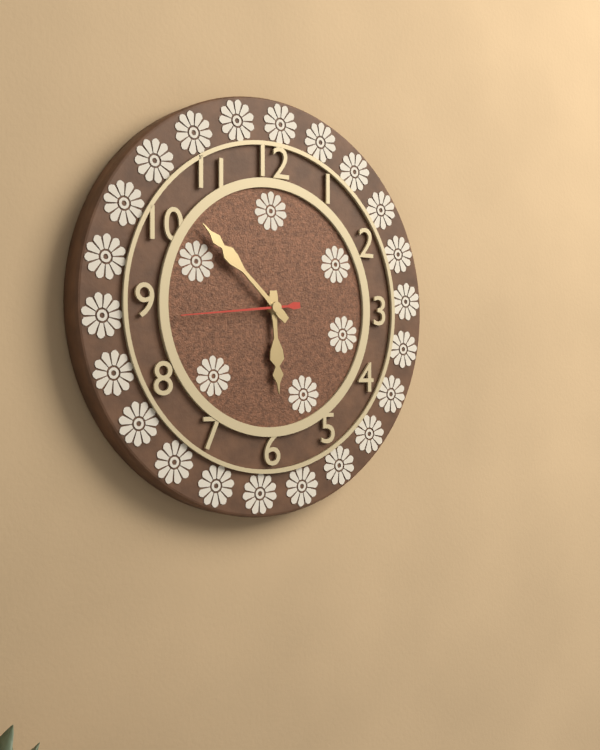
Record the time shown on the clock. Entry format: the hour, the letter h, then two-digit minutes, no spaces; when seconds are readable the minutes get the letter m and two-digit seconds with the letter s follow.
5h52m44s
